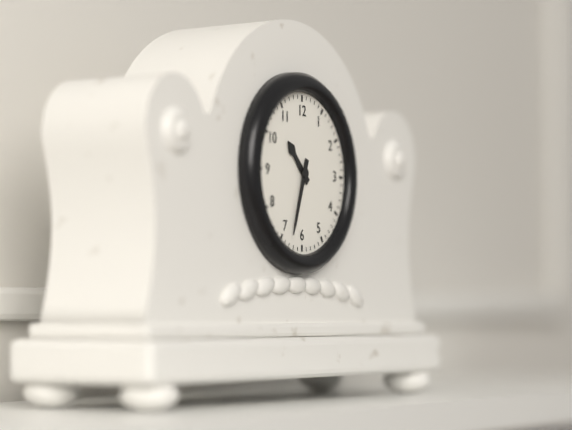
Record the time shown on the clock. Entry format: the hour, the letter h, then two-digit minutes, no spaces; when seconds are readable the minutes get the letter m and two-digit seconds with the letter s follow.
10h33
